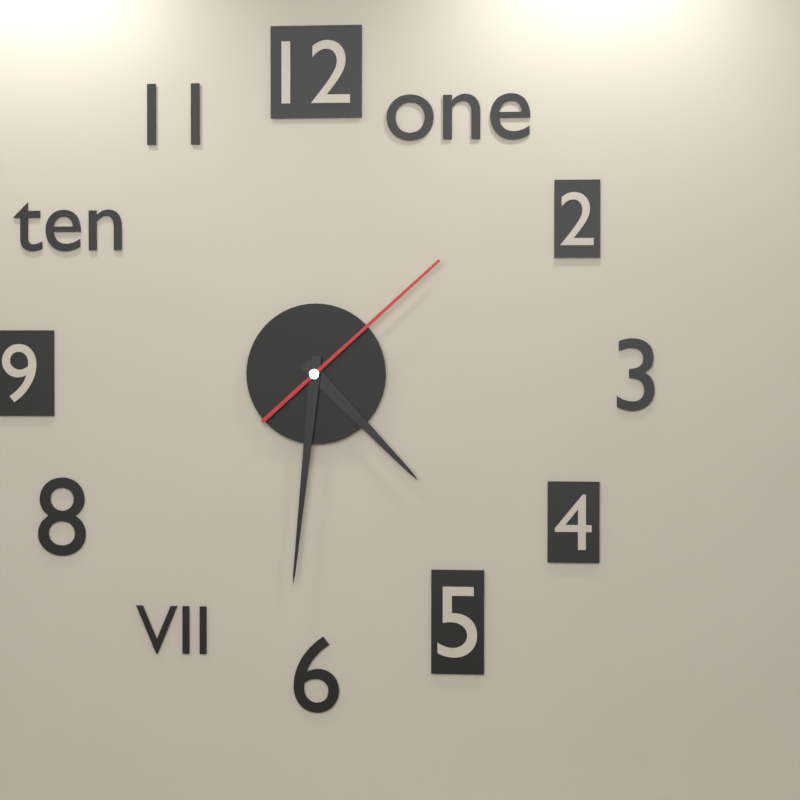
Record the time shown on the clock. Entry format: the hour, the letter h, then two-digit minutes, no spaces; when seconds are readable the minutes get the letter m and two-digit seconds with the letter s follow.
4h31m08s
